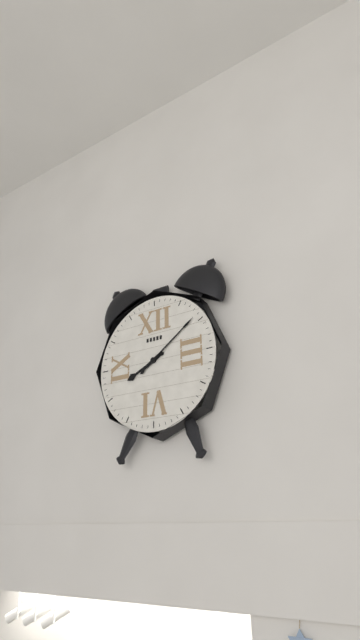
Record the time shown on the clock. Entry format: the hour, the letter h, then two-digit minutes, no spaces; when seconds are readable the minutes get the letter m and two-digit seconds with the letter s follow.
8h09
